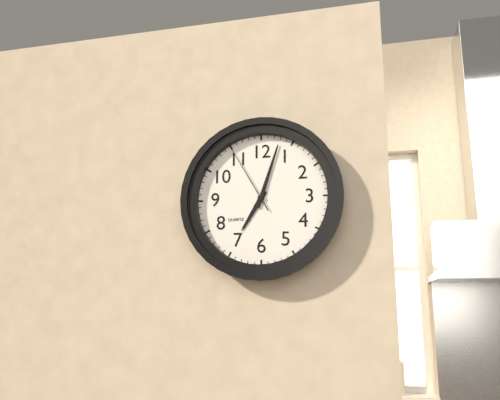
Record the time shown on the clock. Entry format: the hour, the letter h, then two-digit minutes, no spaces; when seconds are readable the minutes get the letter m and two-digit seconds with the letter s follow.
7h03m55s
